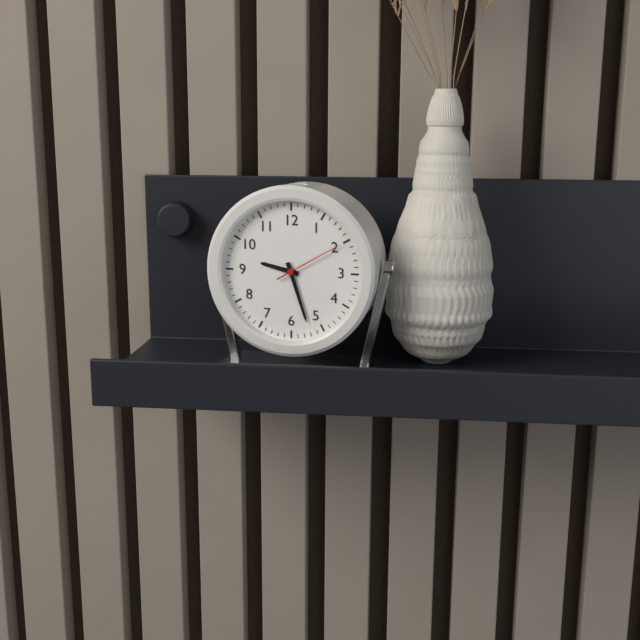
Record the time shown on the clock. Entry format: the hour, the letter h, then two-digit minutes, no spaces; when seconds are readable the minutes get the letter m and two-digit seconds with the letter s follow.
9h27m10s
